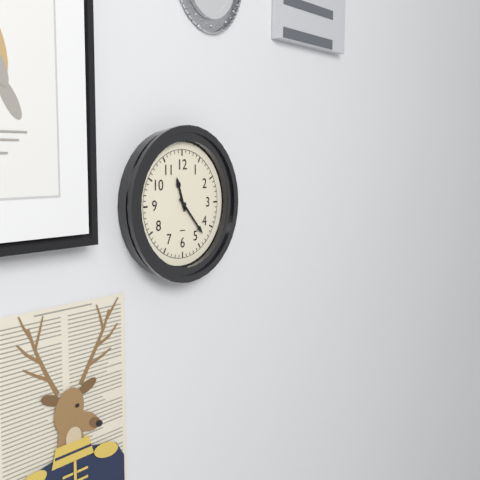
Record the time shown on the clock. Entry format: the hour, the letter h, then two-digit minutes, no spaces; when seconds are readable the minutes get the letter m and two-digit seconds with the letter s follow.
11h23
